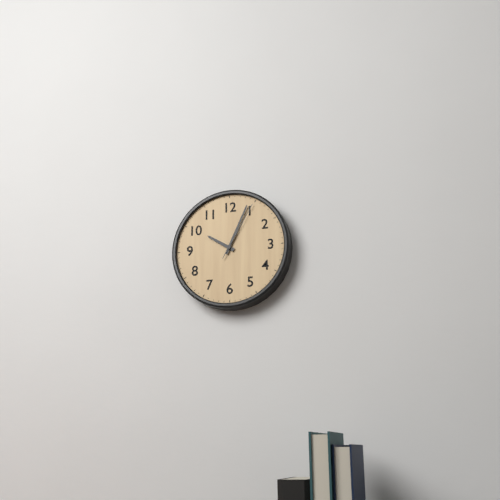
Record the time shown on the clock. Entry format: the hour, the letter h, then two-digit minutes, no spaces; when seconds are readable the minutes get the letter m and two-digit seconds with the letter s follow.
10h04m05s
